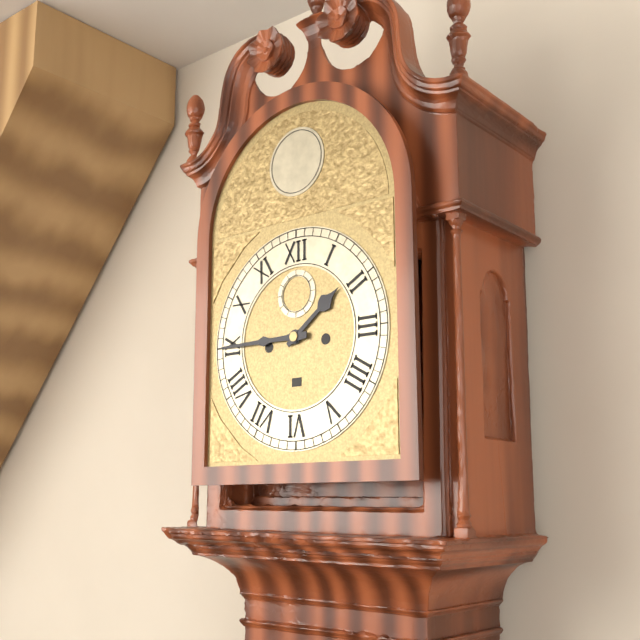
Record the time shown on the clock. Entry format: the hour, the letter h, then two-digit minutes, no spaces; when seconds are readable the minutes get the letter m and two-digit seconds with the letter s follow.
1h45
